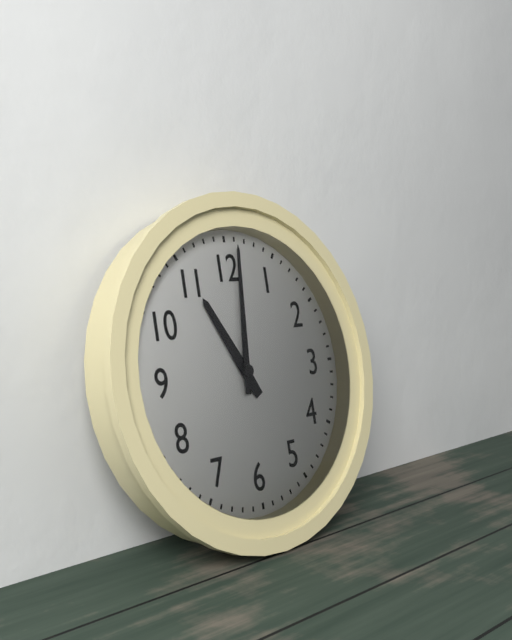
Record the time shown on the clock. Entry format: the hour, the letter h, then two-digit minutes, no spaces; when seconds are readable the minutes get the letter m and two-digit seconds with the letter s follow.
11h01
